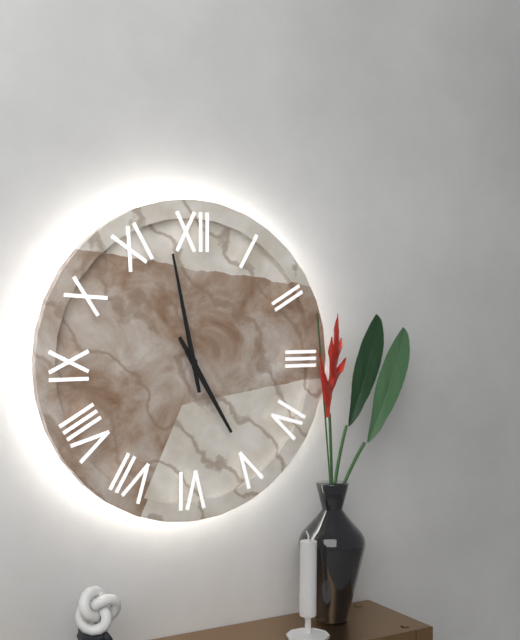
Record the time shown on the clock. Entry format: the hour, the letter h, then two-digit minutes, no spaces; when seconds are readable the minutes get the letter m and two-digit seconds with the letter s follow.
4h58
